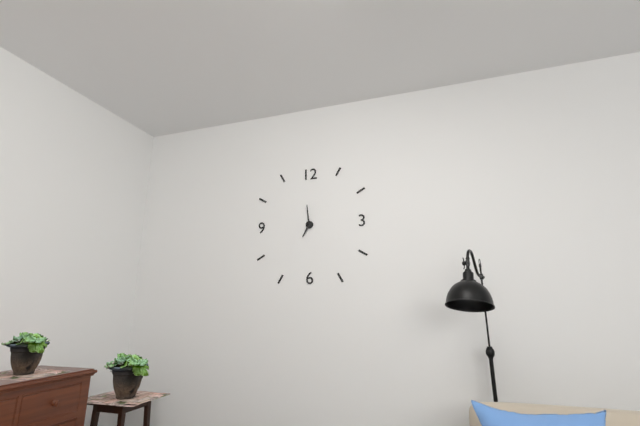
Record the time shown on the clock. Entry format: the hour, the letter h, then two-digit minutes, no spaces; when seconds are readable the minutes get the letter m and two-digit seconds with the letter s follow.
6h59
